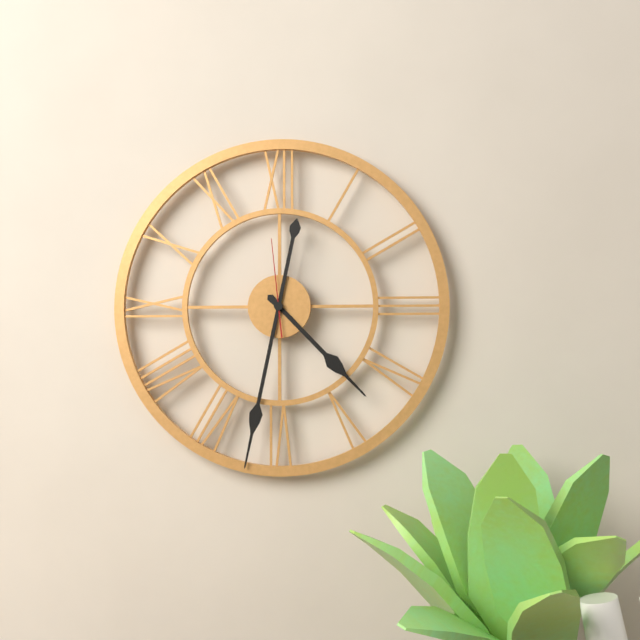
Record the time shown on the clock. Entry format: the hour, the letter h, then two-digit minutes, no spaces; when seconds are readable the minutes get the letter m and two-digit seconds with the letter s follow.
4h32m59s
